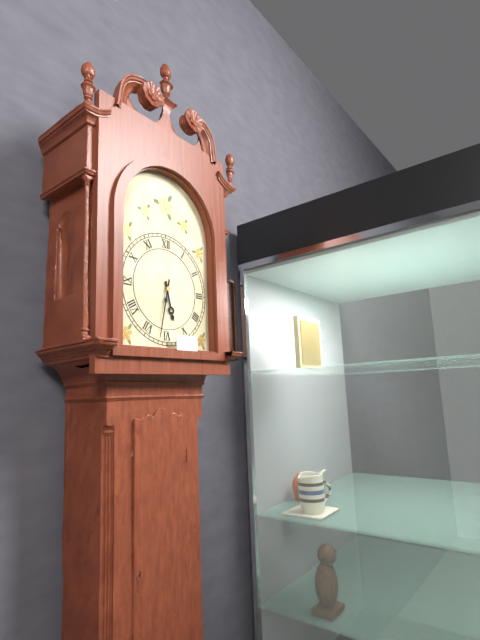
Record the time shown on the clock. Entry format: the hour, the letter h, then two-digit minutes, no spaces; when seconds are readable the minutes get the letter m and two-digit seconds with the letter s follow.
5h32
